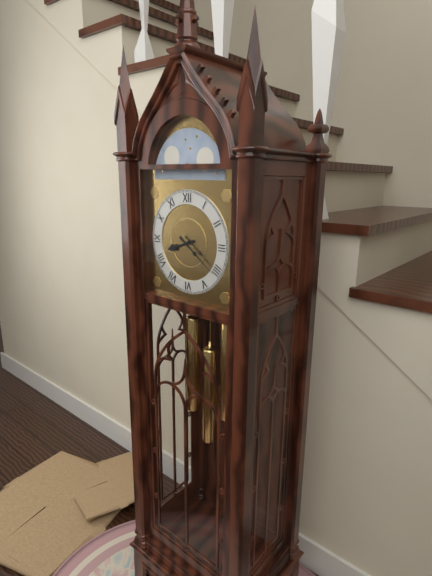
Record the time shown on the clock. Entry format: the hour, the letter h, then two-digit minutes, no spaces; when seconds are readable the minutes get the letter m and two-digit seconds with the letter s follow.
8h21
